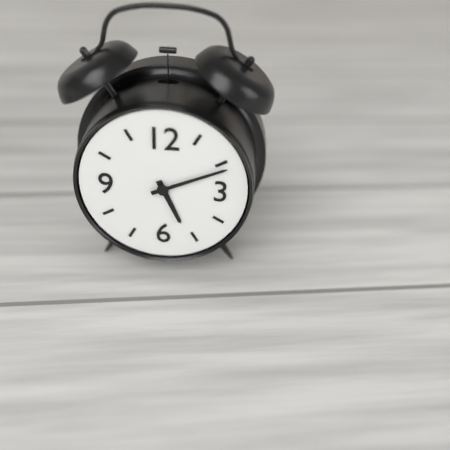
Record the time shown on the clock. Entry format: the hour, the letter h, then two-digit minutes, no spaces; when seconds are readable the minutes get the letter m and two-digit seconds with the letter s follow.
5h11
